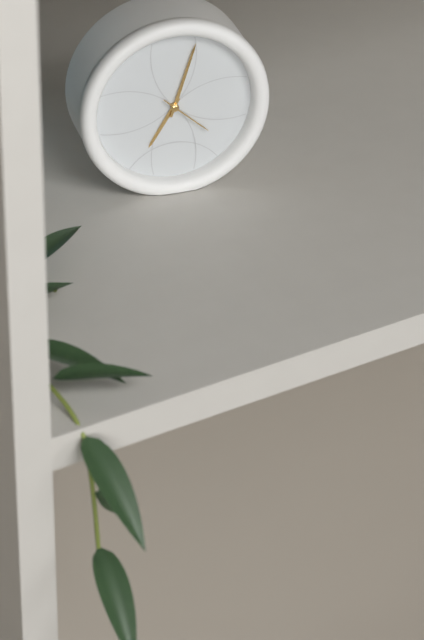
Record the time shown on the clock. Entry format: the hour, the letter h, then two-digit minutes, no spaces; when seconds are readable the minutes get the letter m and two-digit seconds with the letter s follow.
7h03m22s
